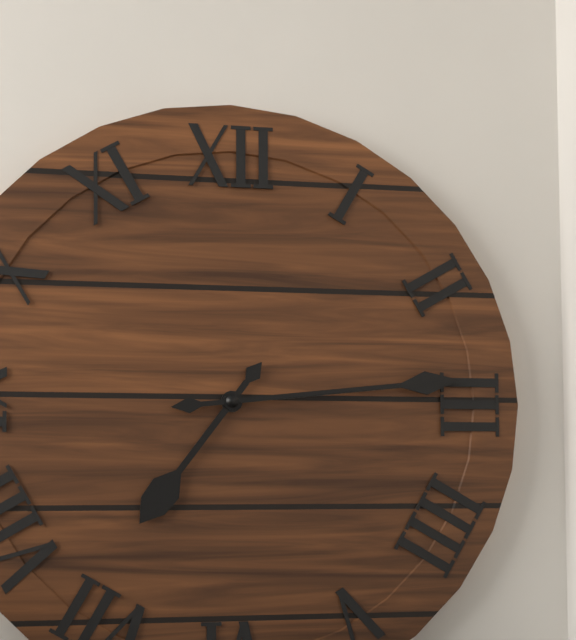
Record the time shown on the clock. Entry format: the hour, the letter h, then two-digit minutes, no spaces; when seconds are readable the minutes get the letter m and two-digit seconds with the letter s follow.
7h14
